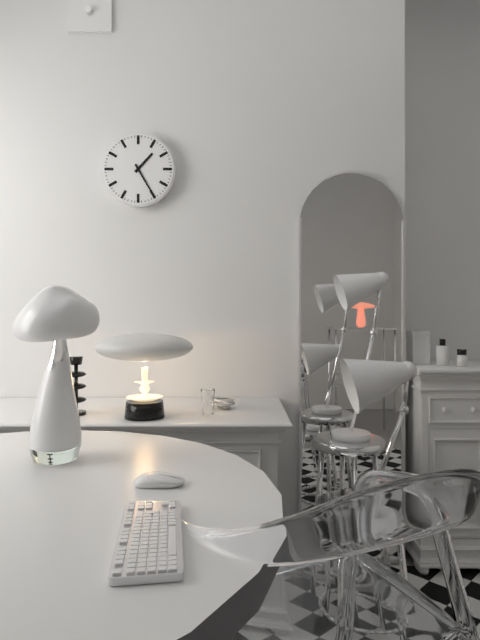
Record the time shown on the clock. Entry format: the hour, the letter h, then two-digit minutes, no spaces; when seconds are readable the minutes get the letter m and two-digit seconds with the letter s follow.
1h25
